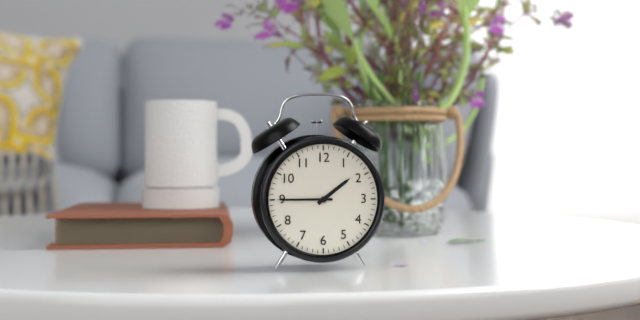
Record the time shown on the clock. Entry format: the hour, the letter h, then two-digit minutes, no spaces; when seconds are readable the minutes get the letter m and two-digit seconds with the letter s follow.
1h45
